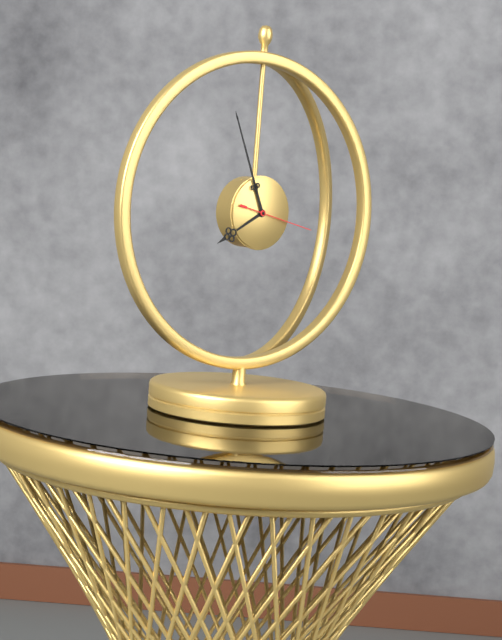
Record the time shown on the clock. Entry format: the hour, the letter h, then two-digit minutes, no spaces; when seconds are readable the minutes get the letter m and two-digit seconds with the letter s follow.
7h56m17s
